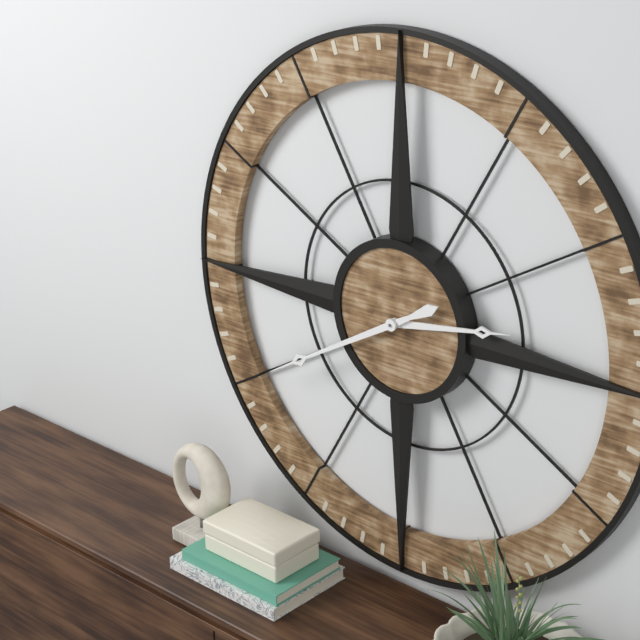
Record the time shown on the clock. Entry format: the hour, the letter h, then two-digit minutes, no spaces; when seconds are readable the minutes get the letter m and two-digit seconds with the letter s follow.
2h40
